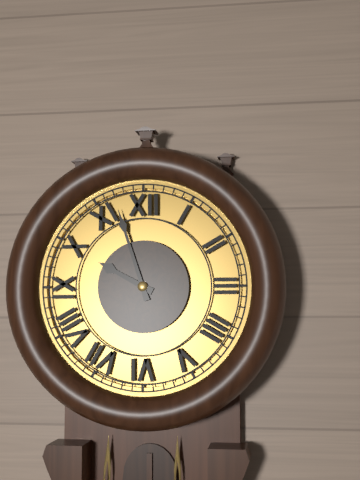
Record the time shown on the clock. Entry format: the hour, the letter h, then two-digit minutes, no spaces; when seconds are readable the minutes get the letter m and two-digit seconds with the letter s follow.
9h57
